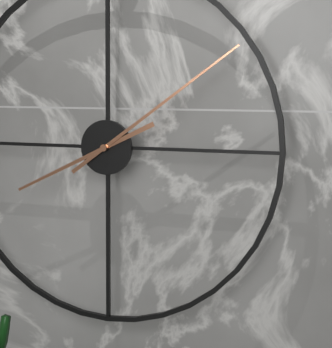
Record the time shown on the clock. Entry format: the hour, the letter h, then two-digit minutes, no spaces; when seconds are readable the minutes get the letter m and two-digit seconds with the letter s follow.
8h09
